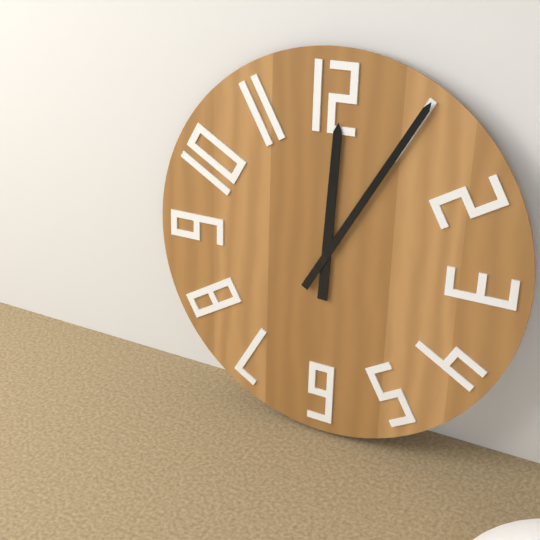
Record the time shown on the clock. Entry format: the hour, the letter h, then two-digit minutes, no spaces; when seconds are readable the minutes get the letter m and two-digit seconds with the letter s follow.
12h05
